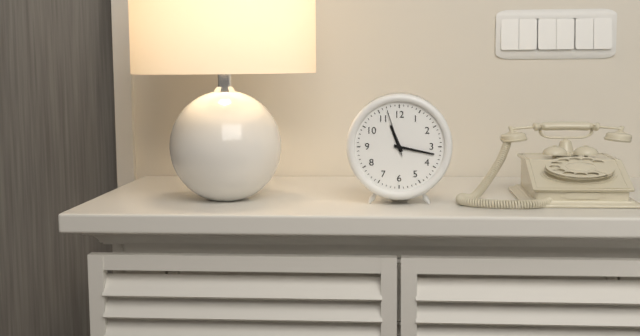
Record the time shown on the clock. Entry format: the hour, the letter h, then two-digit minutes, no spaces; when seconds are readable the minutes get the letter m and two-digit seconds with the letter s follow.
11h17
